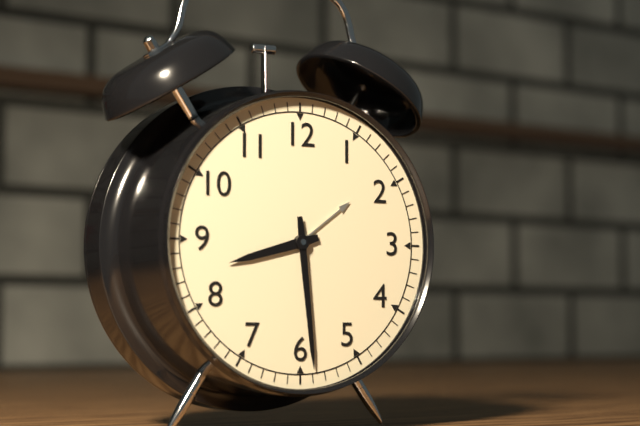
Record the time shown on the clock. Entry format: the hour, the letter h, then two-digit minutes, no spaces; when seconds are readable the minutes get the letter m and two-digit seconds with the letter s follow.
8h29
